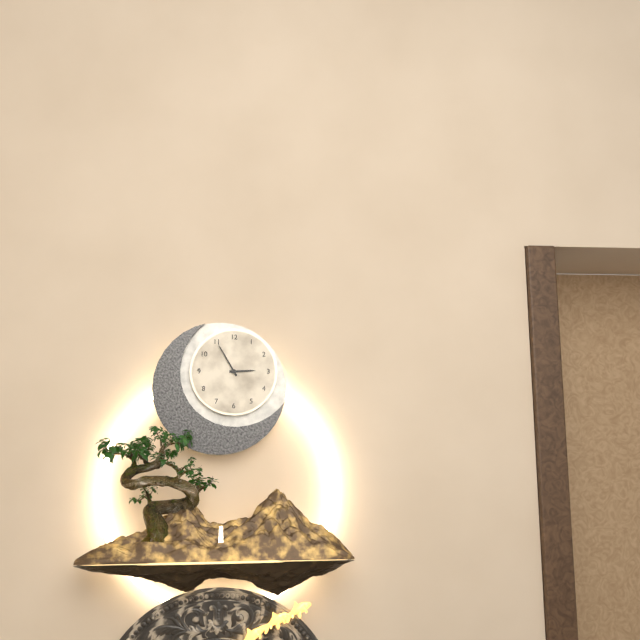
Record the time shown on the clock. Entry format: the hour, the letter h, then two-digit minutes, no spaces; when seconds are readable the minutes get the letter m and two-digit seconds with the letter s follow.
2h55
